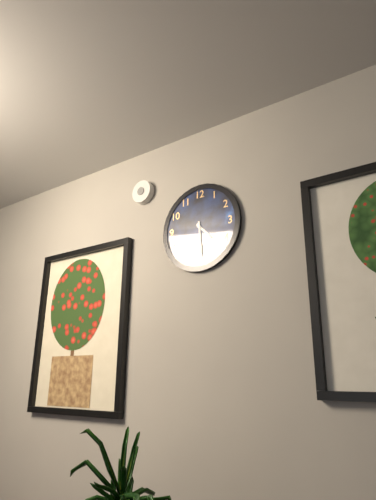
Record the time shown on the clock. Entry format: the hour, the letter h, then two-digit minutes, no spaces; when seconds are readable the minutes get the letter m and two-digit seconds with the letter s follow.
4h29
